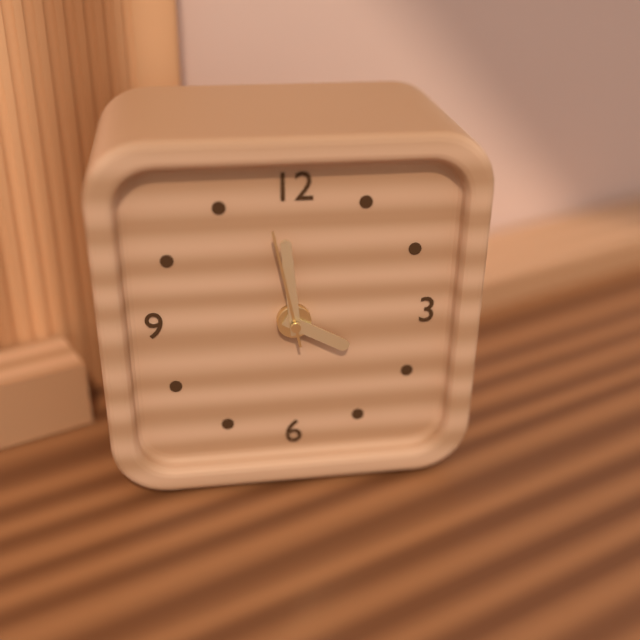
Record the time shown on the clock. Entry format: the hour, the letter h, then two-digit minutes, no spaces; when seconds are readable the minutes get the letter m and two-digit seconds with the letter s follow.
3h59m58s
